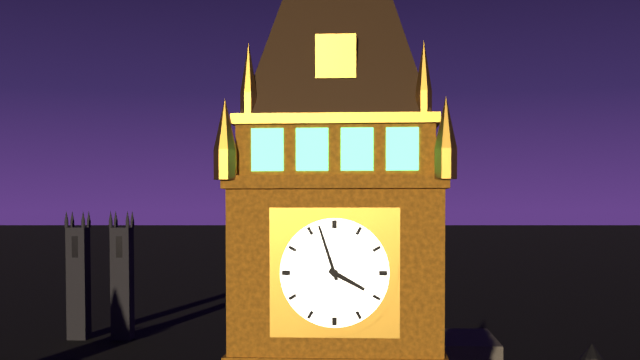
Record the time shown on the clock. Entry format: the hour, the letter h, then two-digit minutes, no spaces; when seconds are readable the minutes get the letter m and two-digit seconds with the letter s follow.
3h57
